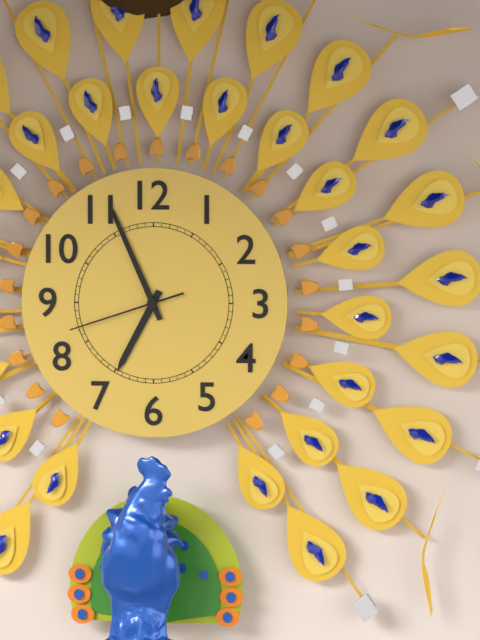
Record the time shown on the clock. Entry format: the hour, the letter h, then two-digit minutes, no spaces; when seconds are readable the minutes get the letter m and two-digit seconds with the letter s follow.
6h56m42s
